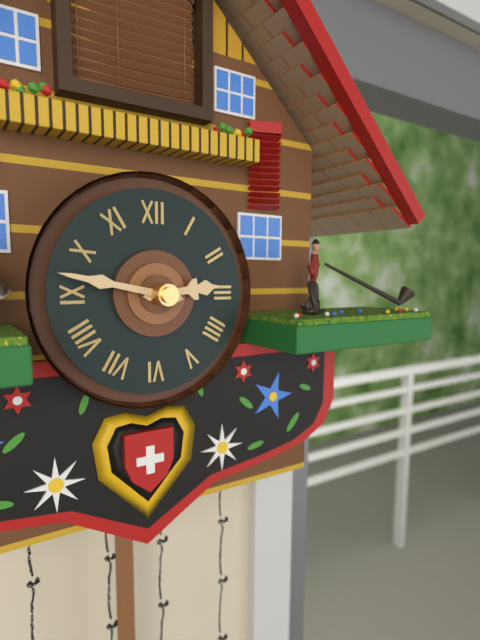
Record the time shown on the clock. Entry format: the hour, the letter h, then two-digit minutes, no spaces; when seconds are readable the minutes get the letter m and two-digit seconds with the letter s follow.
2h47
